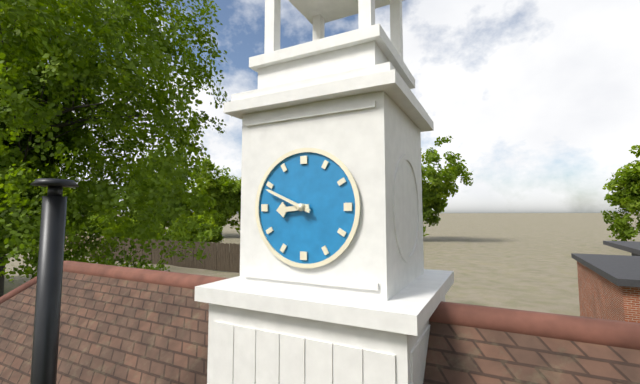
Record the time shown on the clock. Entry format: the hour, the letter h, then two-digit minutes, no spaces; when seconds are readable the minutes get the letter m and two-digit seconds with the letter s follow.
8h49
